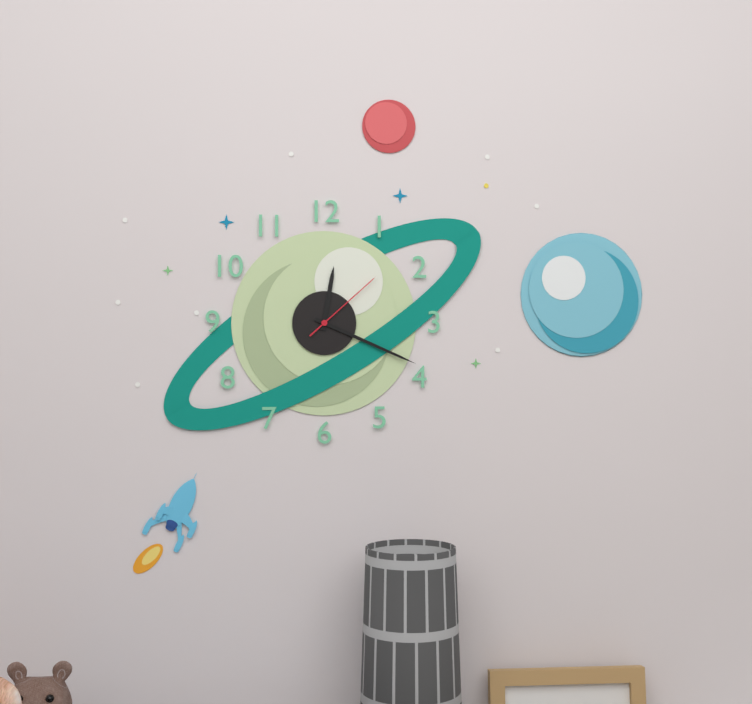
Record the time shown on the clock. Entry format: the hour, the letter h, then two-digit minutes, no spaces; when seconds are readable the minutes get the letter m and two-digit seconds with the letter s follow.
12h19m08s
